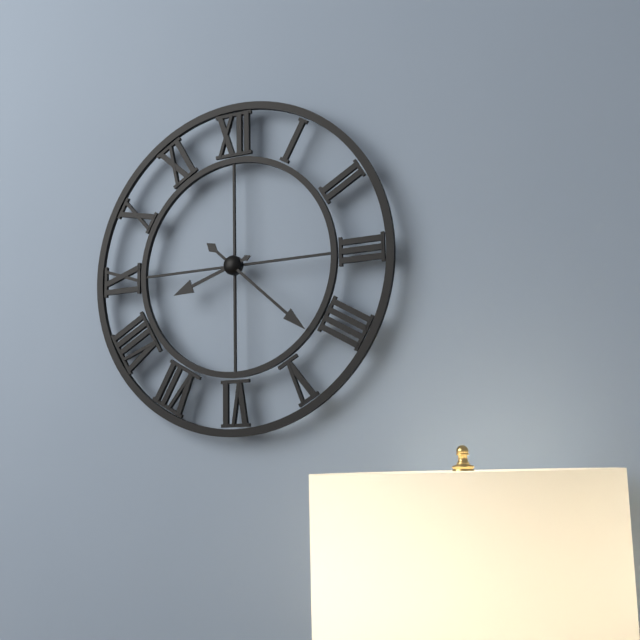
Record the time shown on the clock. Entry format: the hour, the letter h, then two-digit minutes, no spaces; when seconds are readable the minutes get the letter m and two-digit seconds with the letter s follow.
8h22
